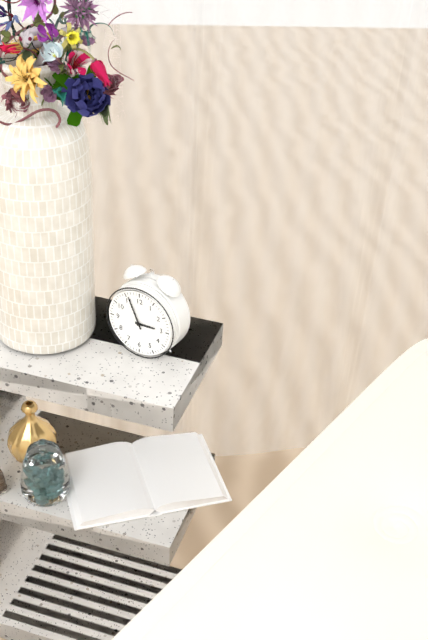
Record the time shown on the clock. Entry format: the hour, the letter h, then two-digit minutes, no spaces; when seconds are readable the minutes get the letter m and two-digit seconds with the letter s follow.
2h56
